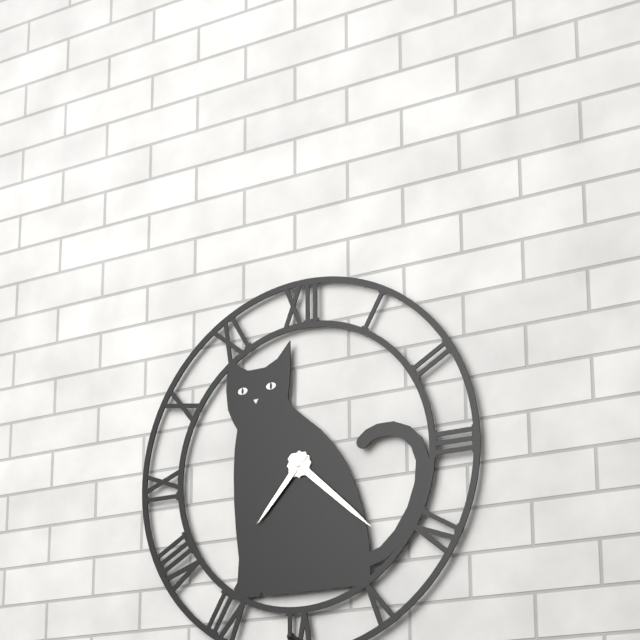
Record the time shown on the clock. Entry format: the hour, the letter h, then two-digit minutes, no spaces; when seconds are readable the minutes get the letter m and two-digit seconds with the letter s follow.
7h22
